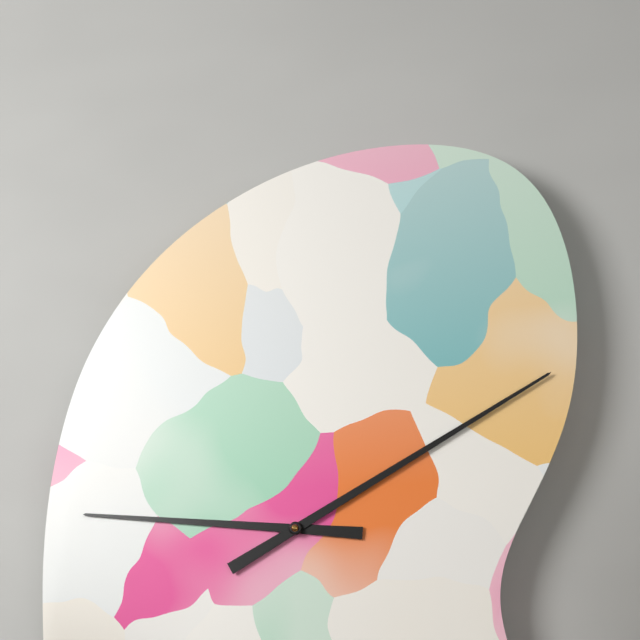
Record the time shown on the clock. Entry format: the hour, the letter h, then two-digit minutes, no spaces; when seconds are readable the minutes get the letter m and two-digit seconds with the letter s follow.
9h10
